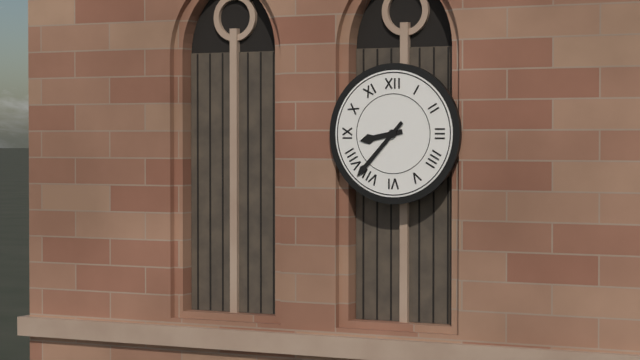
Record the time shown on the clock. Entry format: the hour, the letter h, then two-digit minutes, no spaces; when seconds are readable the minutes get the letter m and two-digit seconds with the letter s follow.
8h37
